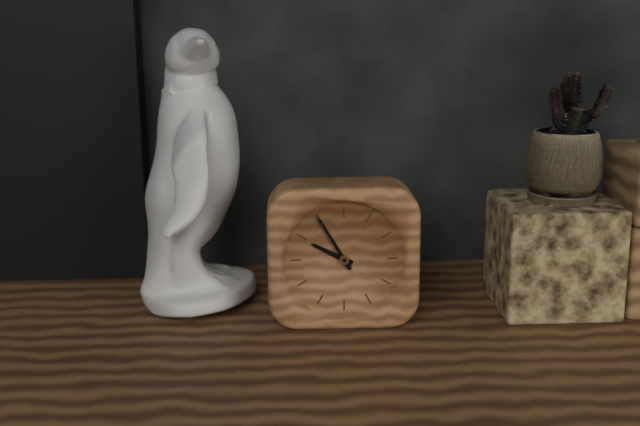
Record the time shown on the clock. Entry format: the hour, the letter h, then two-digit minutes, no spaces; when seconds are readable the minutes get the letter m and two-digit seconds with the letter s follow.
9h55
